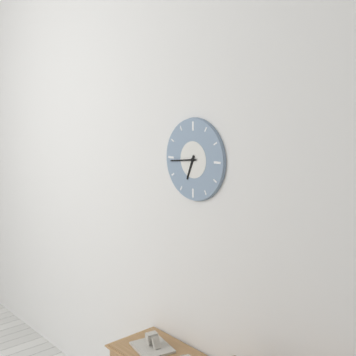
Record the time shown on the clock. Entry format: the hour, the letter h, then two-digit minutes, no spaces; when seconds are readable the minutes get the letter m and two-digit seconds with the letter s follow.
6h44
